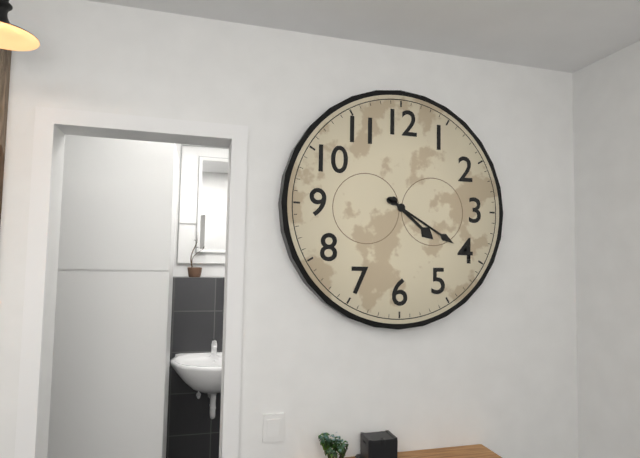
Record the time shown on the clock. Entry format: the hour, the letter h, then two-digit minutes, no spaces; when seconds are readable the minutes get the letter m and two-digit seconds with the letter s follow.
4h20
